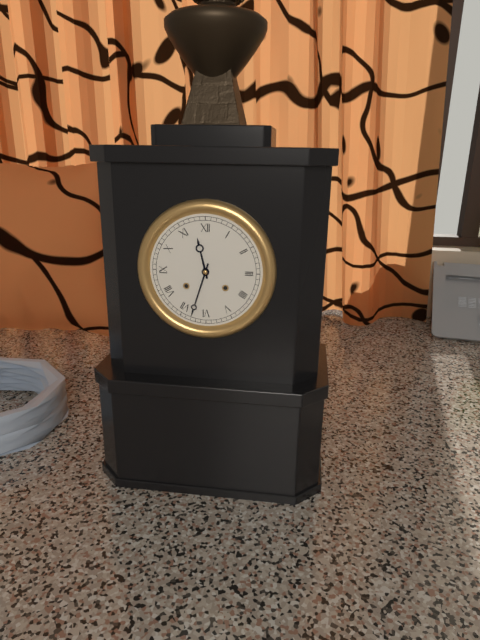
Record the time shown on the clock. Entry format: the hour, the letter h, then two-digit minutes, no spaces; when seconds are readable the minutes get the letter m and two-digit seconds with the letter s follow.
11h33
